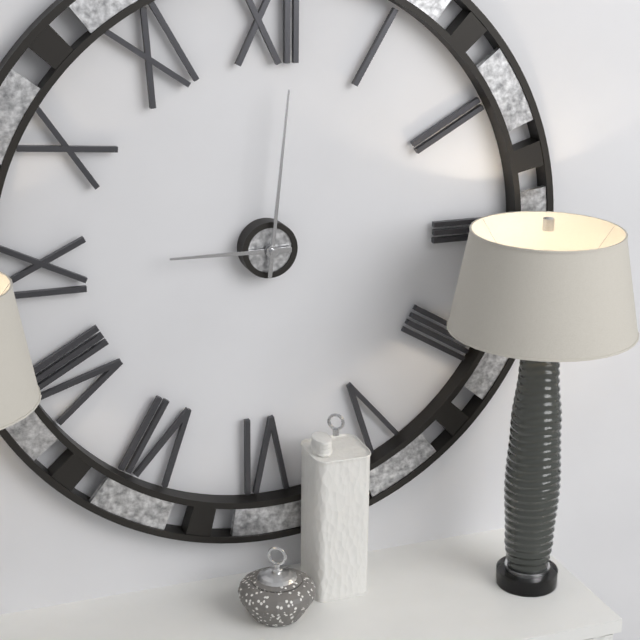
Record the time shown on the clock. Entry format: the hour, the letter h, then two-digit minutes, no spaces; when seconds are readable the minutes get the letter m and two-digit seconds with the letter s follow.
9h01
